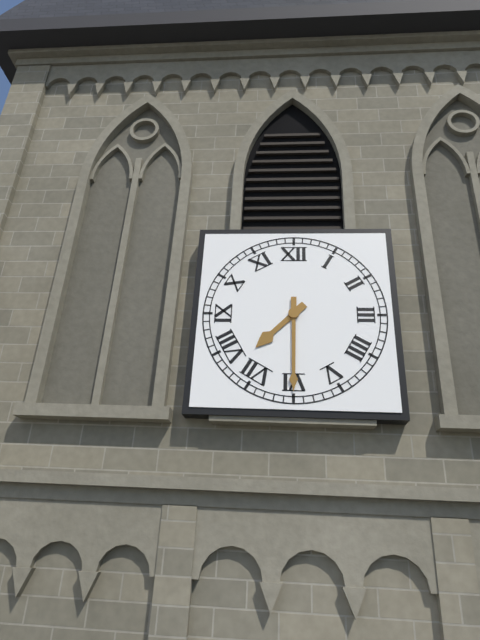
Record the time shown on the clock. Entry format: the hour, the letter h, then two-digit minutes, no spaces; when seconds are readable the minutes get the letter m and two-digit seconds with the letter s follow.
7h30
